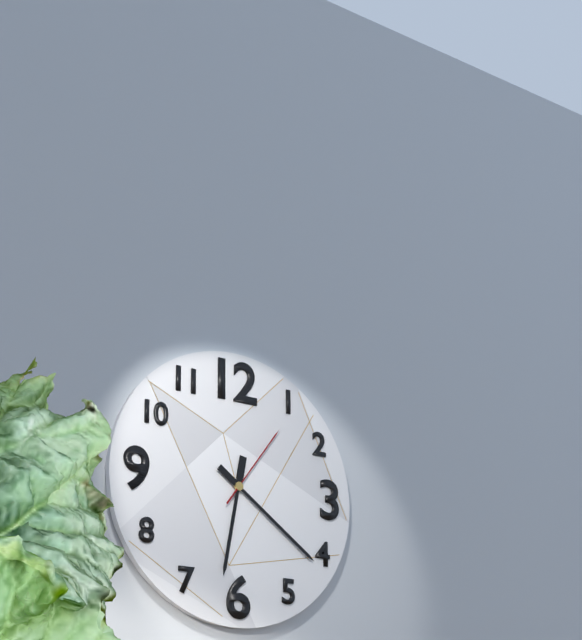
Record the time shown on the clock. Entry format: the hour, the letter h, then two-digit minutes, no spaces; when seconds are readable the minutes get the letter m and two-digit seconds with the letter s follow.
6h21m06s
